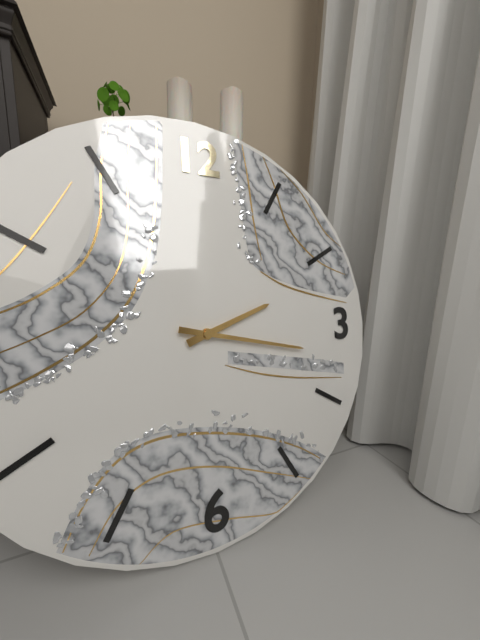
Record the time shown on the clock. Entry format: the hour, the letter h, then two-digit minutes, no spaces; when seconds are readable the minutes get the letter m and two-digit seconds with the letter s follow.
2h17
